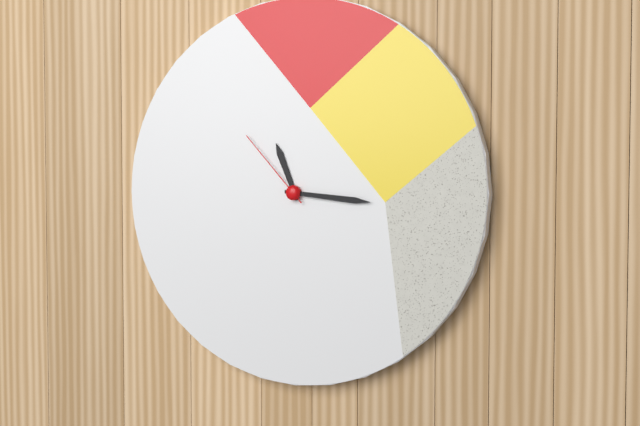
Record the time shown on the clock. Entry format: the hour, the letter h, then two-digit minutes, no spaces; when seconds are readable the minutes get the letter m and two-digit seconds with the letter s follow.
11h16m53s
